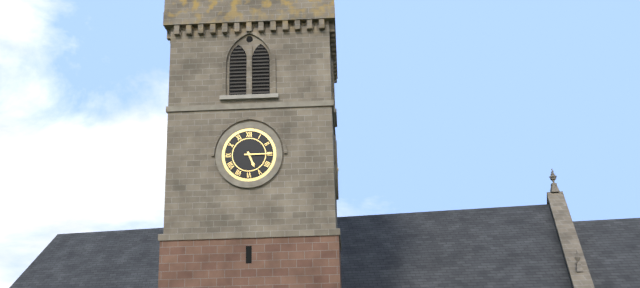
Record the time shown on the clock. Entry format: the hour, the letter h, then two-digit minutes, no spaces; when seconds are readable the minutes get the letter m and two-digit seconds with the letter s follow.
5h15
